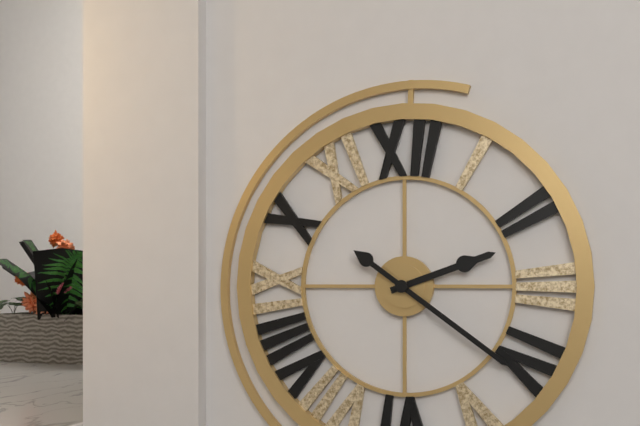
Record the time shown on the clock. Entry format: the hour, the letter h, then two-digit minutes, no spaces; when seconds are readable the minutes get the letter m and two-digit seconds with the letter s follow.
2h21
